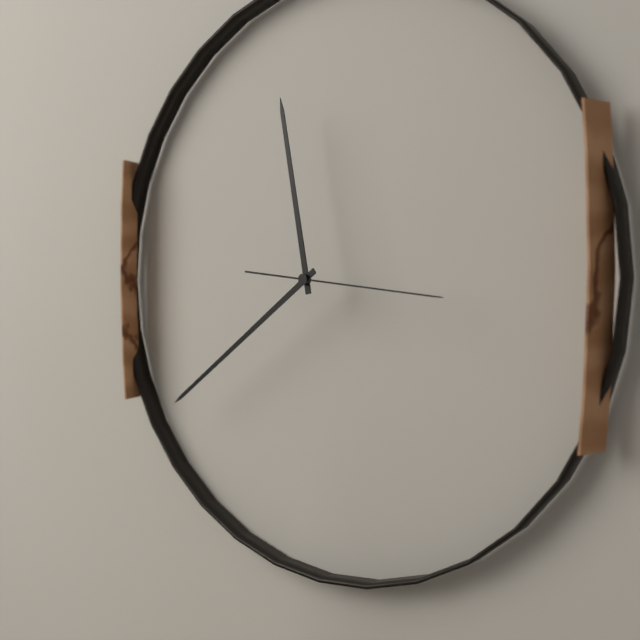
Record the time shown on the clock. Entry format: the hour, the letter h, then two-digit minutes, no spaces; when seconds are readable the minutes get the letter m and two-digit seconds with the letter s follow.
11h39m16s
